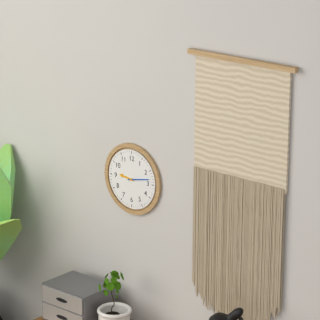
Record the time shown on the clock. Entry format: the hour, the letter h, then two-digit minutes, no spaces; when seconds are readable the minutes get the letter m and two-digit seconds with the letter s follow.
9h13
